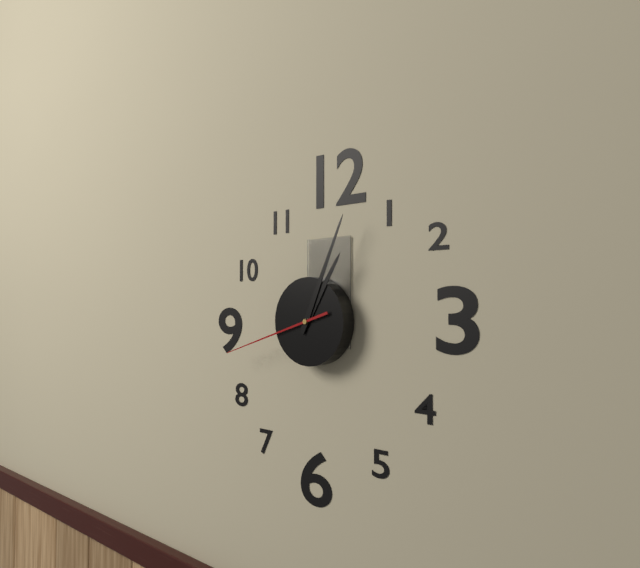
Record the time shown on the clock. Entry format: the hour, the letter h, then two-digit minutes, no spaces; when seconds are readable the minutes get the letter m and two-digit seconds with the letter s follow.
1h04m42s
